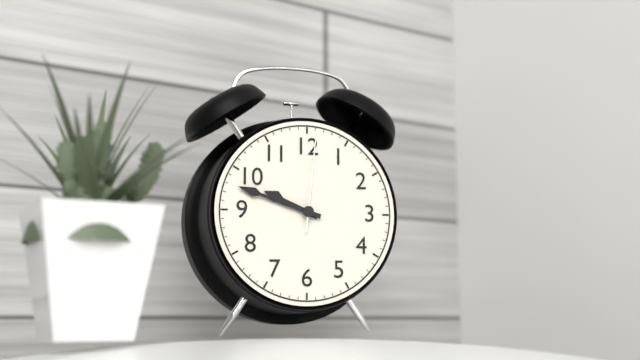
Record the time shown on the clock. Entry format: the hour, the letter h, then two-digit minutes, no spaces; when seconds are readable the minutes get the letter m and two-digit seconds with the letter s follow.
9h48m01s
